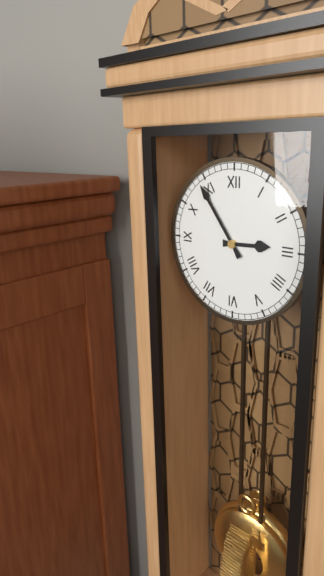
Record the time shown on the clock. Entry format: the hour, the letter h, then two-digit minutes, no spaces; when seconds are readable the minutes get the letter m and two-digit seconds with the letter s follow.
2h54
